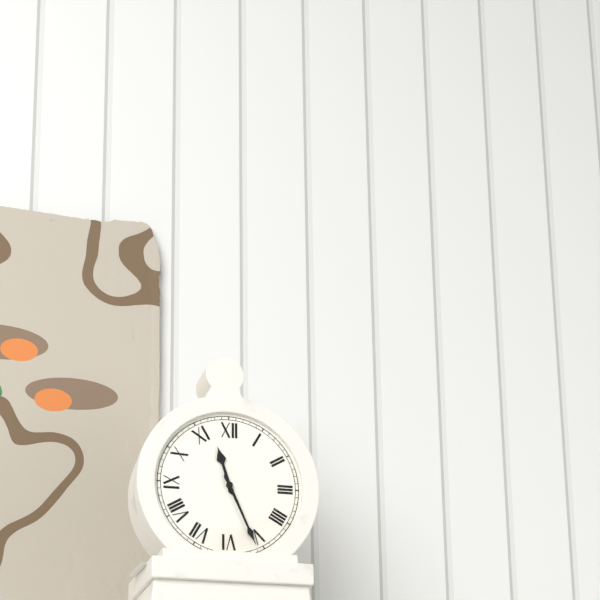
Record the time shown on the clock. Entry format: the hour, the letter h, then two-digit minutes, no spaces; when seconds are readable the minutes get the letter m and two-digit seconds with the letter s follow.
11h26
